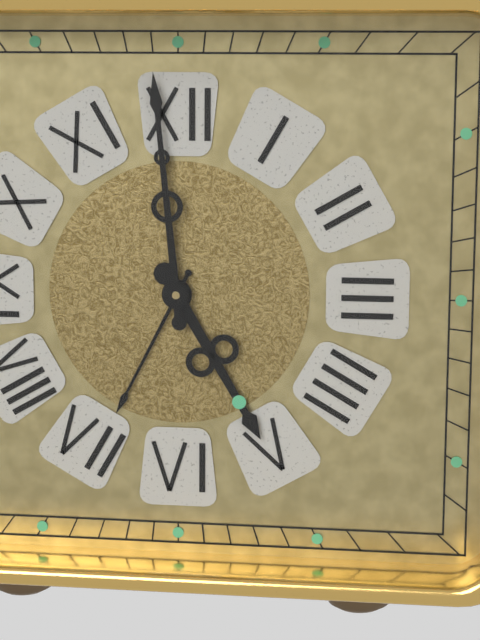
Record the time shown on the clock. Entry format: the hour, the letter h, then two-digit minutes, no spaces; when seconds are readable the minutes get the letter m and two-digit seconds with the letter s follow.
4h59
